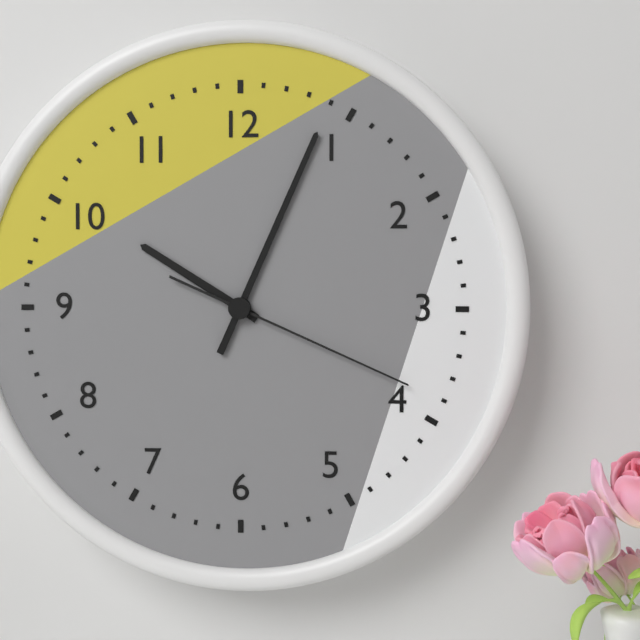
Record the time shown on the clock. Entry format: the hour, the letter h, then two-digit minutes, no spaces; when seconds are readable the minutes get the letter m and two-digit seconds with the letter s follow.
10h04m19s
